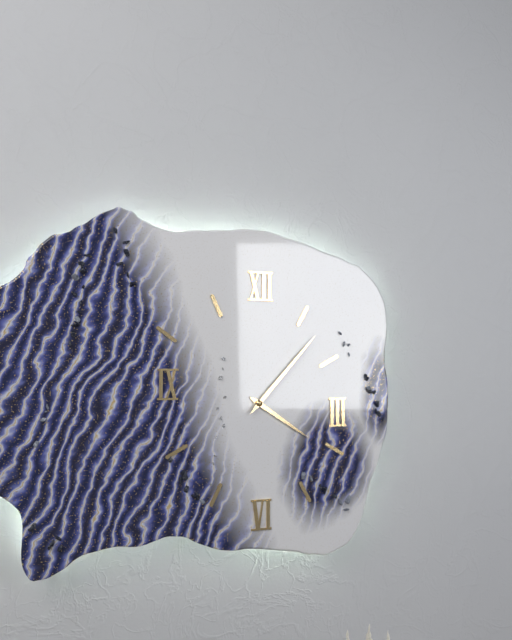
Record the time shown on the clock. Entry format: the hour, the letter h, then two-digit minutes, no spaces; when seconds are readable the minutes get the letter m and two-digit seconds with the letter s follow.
4h07
